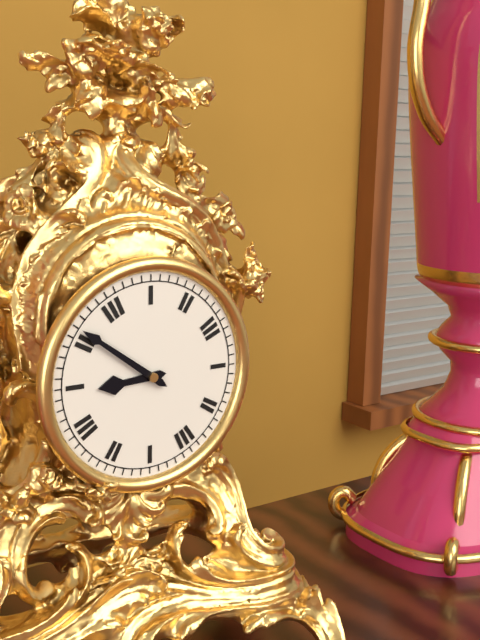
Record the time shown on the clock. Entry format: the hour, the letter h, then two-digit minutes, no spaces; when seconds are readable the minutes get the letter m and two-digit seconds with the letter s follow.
8h51
